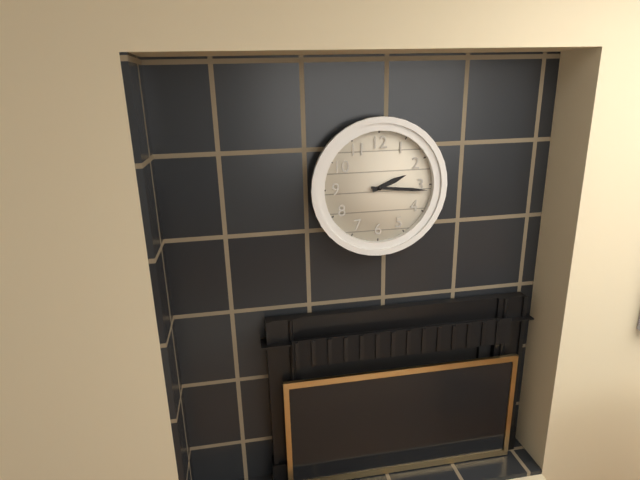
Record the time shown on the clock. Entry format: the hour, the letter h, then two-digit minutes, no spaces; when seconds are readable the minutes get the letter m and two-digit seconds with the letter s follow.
2h16
